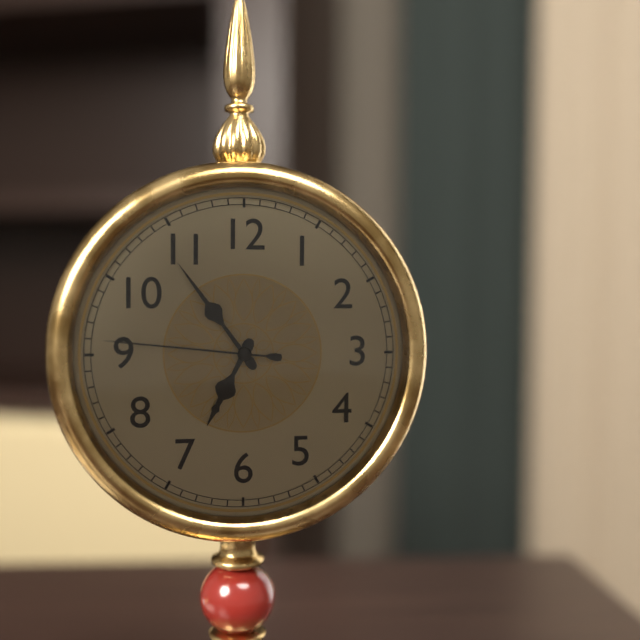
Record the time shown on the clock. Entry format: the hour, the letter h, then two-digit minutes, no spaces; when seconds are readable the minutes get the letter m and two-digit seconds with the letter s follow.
6h54m46s
